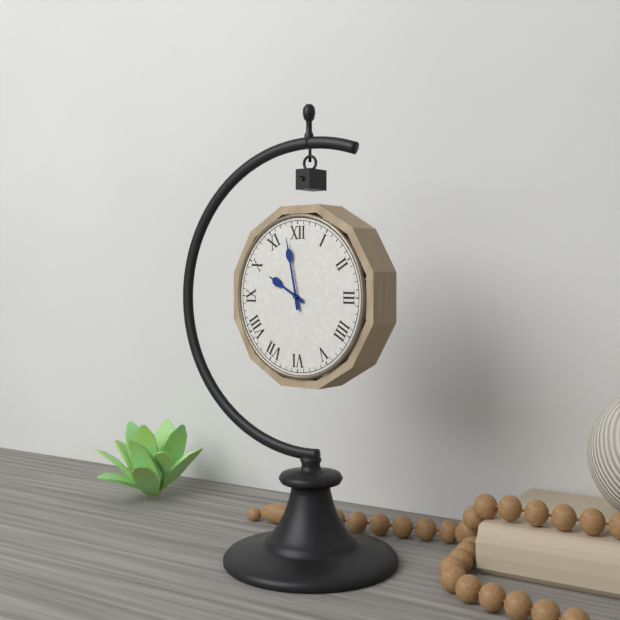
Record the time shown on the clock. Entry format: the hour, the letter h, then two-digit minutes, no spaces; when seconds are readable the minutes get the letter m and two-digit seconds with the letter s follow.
9h58
